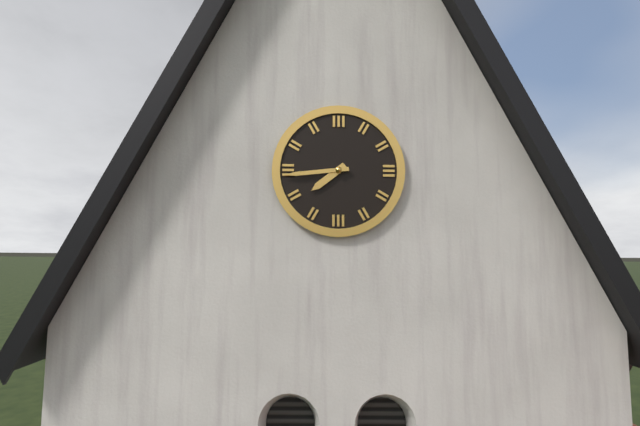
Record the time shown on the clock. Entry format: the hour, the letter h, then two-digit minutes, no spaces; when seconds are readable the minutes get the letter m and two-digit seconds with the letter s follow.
7h44
